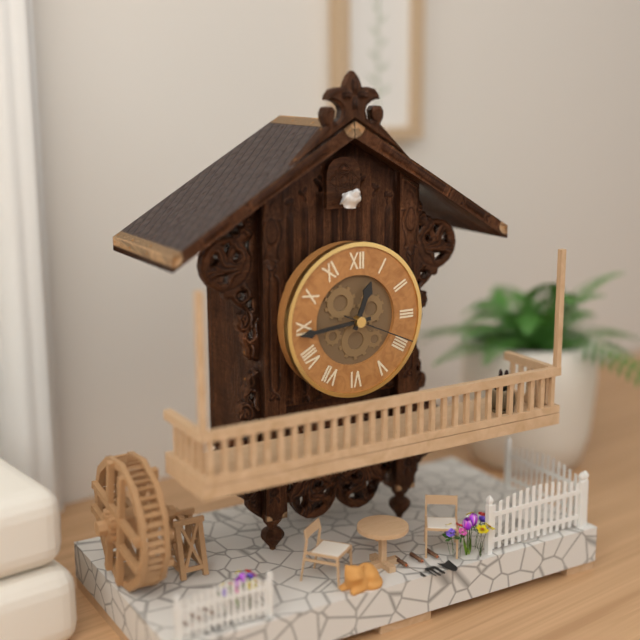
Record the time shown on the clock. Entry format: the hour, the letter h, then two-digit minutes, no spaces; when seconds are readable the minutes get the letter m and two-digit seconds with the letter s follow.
12h44m19s
